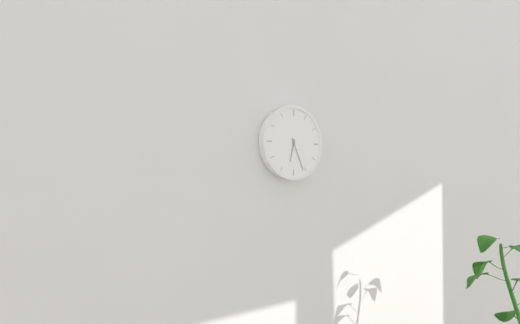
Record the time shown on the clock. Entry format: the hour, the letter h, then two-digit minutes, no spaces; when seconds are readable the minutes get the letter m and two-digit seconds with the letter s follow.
6h26
